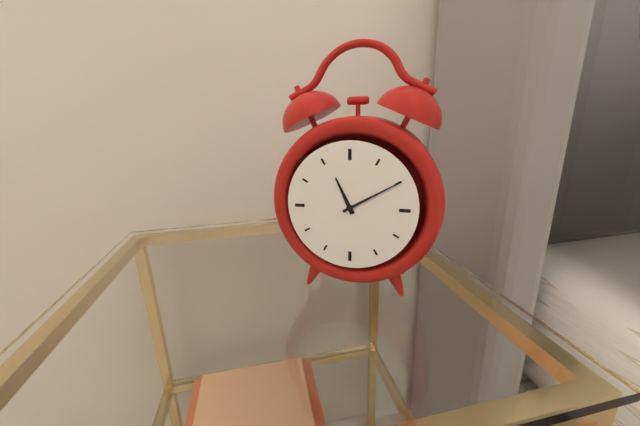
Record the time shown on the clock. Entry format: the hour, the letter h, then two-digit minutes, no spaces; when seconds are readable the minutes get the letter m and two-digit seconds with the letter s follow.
11h10
